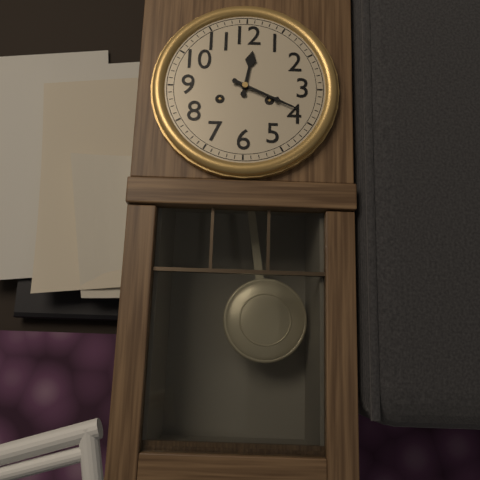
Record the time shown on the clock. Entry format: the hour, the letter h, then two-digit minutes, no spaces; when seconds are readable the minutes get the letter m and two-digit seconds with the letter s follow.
12h19
